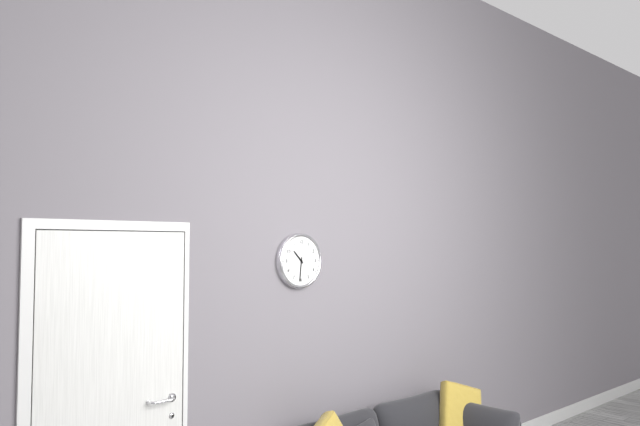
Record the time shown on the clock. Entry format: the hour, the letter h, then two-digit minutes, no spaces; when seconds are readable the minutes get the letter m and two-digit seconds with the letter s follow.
10h31
